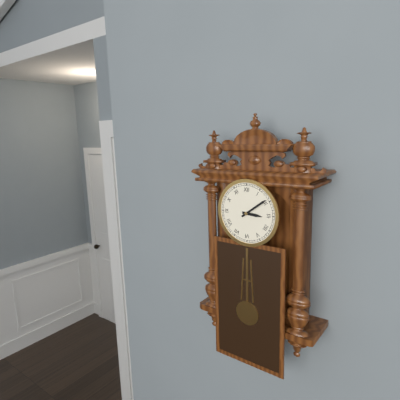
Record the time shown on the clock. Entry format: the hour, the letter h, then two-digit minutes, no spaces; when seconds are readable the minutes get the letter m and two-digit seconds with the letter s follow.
3h09
